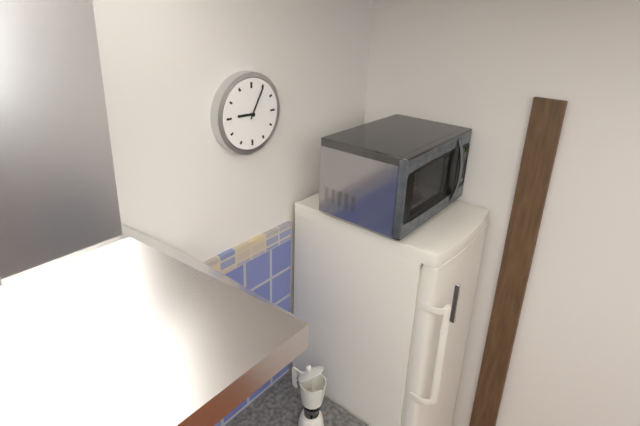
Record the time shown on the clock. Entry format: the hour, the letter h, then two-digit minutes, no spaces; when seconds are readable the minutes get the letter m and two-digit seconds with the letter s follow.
9h05
